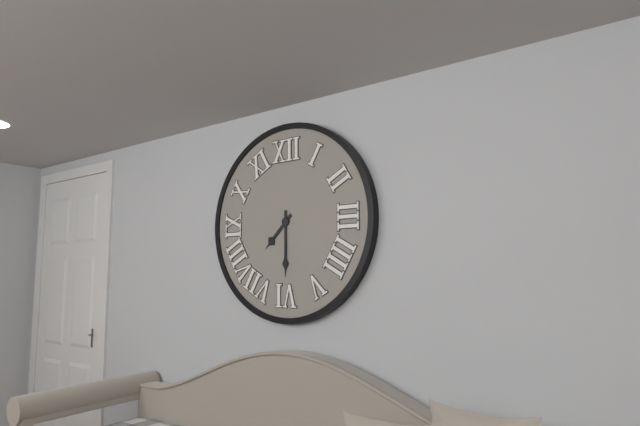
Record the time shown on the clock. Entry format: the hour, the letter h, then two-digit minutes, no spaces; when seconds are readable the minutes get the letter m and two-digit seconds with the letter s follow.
7h30
